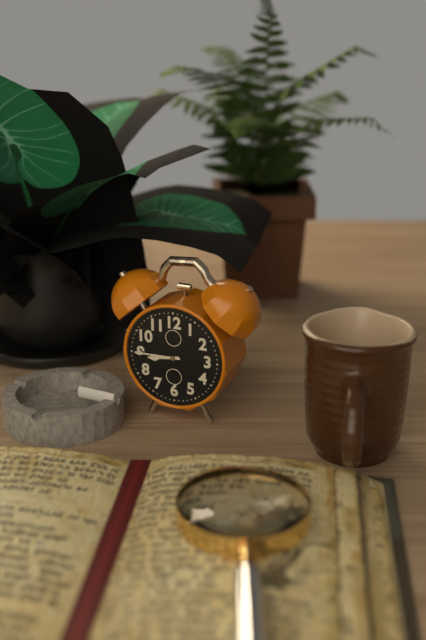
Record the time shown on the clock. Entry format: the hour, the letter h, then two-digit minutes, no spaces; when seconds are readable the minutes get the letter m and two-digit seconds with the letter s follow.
8h45
